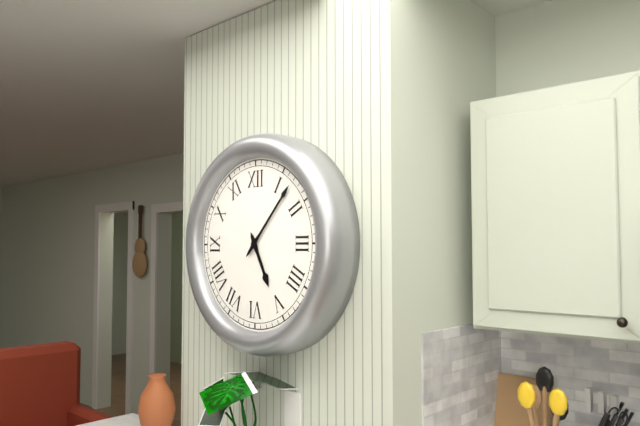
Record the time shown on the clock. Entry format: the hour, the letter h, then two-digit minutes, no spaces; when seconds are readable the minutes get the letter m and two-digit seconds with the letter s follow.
5h07
